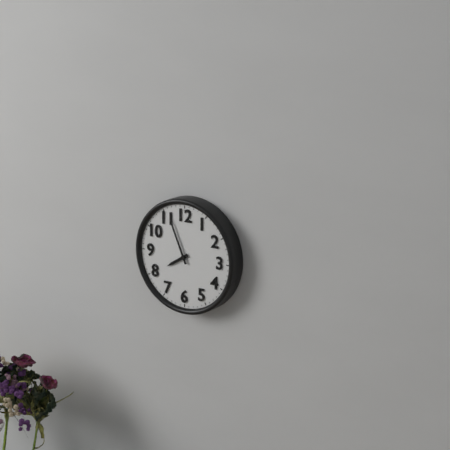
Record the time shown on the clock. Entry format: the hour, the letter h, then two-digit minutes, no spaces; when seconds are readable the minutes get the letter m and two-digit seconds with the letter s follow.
7h56
